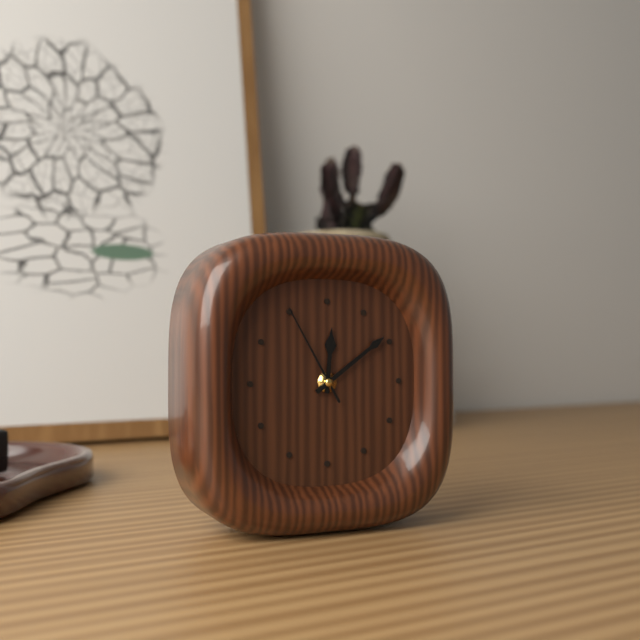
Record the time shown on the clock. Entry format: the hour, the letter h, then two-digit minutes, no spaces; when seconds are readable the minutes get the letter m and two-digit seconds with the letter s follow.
12h09m55s
